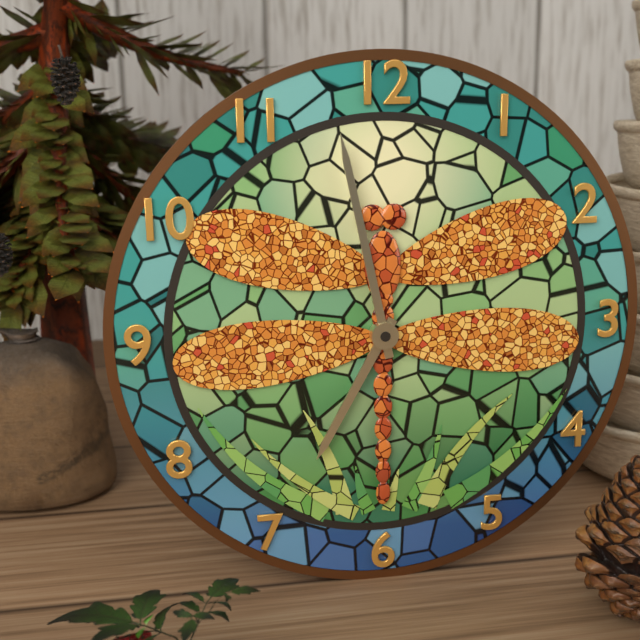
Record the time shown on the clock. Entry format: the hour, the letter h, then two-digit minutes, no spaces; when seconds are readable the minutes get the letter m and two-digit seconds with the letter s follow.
6h58
